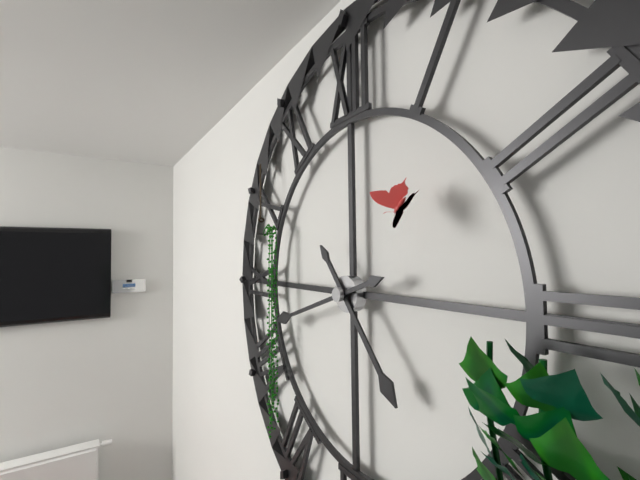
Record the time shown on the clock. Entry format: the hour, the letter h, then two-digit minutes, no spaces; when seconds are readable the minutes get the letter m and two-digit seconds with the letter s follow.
4h42
